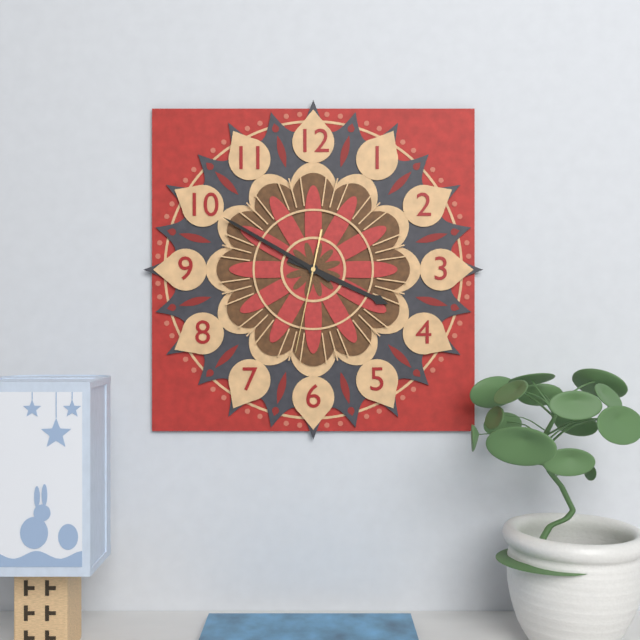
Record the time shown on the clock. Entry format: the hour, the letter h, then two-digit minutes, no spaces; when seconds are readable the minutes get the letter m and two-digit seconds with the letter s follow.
3h50m32s
